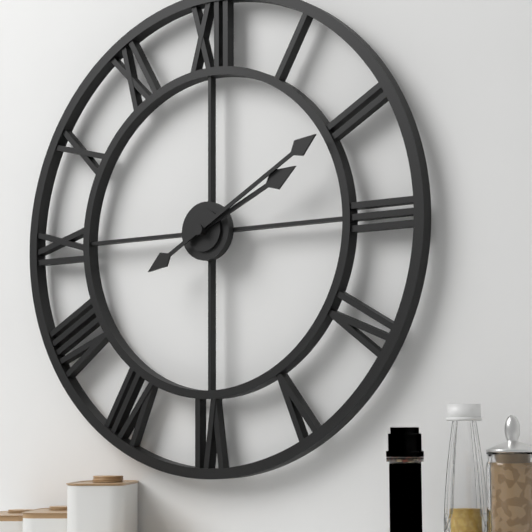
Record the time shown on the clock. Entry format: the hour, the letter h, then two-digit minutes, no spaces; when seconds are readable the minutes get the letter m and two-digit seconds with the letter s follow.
2h10
